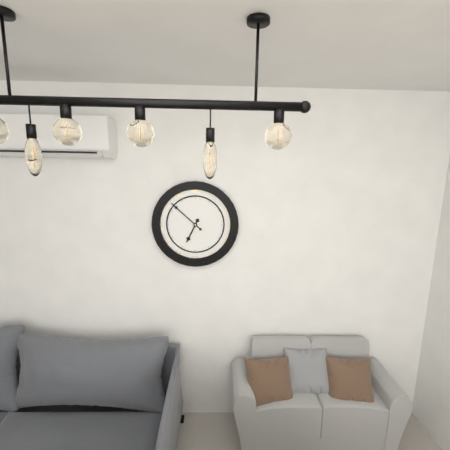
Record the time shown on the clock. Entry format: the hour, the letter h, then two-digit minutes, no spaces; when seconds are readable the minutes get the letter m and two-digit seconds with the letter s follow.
6h52
